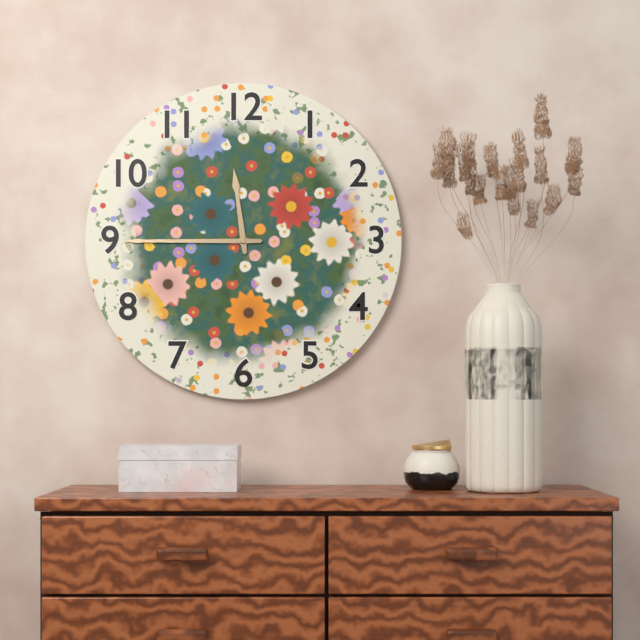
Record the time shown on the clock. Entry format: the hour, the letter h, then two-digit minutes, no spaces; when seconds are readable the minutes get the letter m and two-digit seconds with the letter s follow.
11h45
